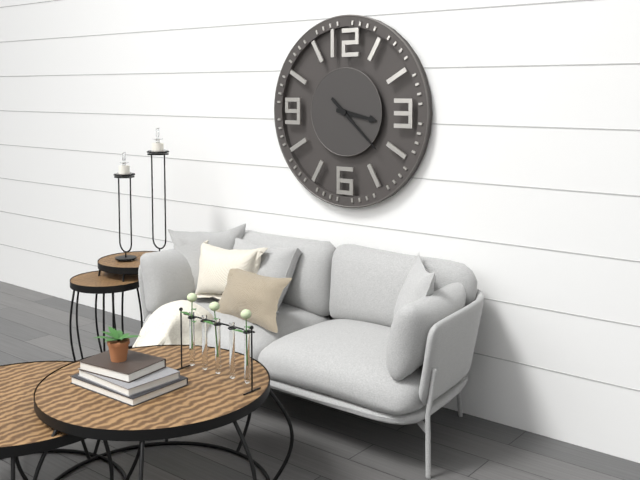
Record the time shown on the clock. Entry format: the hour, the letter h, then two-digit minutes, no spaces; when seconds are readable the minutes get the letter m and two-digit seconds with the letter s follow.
3h22
